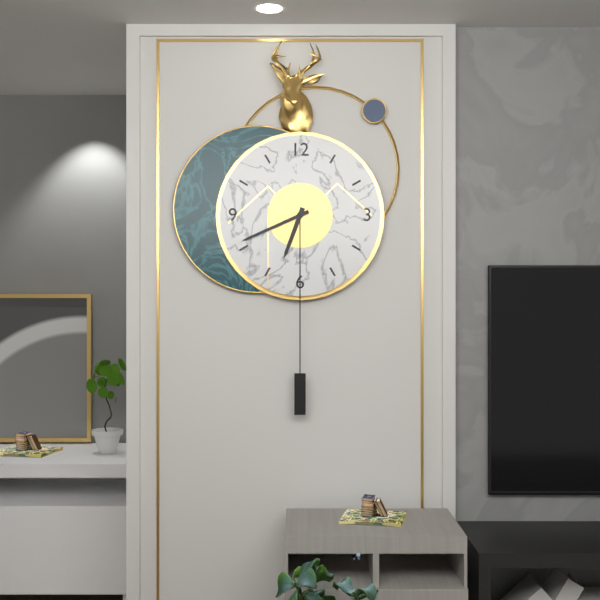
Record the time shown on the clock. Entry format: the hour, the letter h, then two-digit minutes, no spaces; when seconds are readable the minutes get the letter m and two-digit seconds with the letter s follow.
6h41
